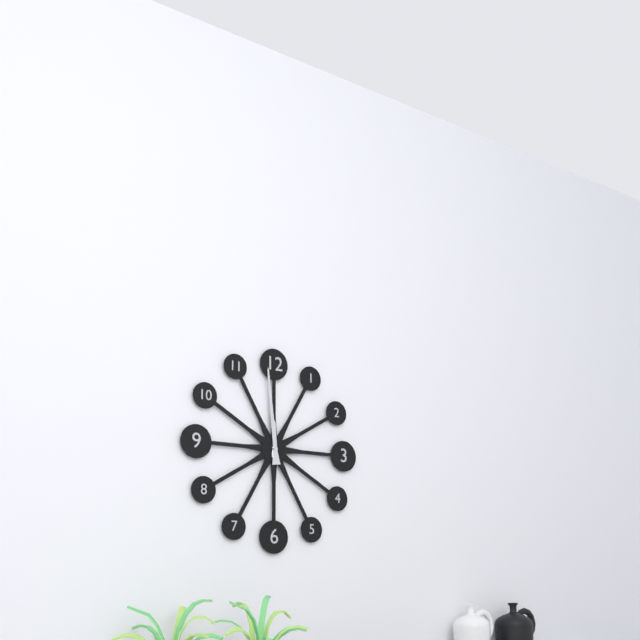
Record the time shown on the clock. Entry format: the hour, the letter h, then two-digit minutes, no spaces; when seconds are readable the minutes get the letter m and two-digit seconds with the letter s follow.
11h59
